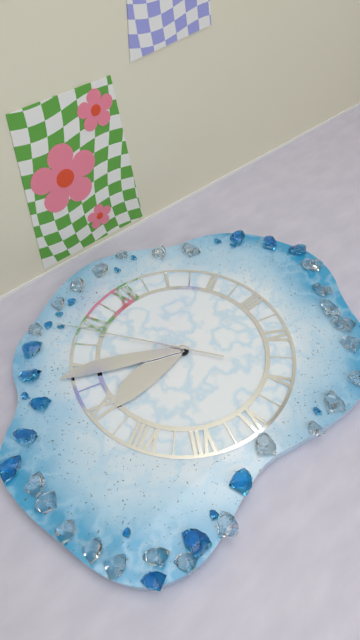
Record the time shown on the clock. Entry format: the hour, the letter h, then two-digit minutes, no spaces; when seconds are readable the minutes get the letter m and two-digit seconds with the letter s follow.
8h49m54s
